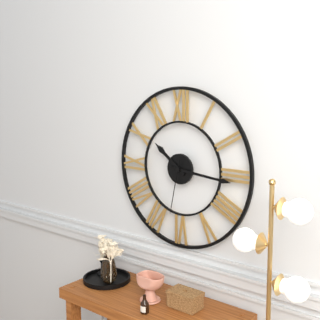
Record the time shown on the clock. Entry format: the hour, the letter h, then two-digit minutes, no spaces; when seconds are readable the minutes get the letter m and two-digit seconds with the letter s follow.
10h16m32s
